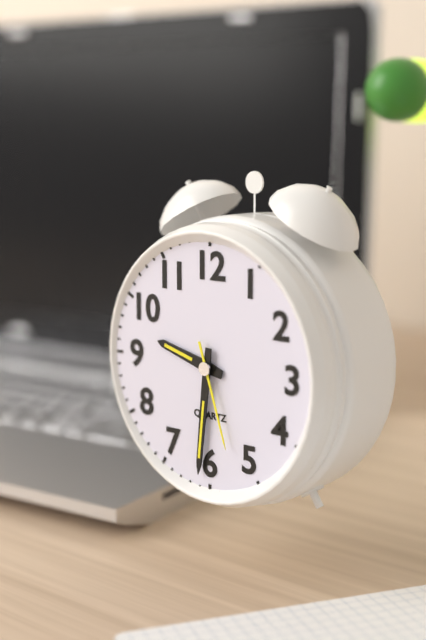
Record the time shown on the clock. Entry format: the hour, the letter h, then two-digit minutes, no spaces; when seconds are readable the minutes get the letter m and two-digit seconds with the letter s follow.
9h31m27s
